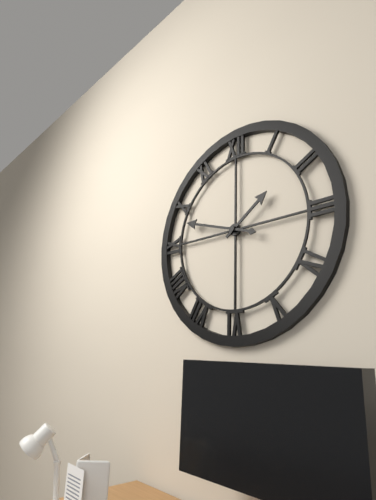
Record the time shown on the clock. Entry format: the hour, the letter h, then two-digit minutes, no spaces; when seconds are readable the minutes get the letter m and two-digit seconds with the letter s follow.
1h48
